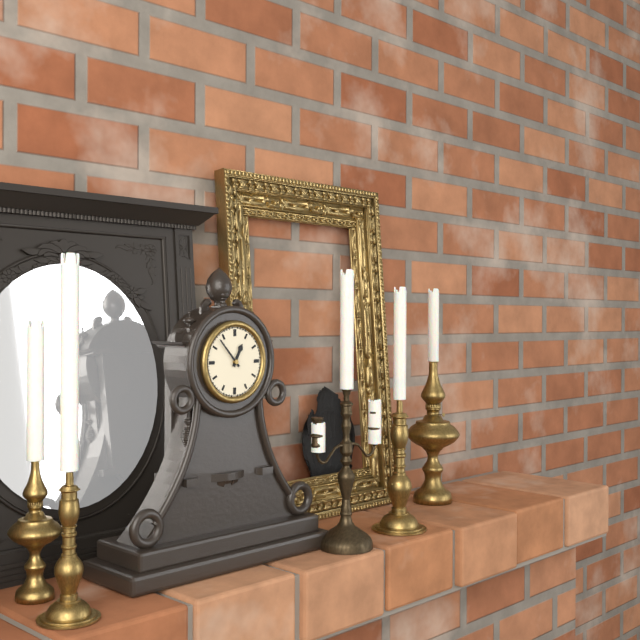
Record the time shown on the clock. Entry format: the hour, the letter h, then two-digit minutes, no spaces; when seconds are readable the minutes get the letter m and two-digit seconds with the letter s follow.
12h53
